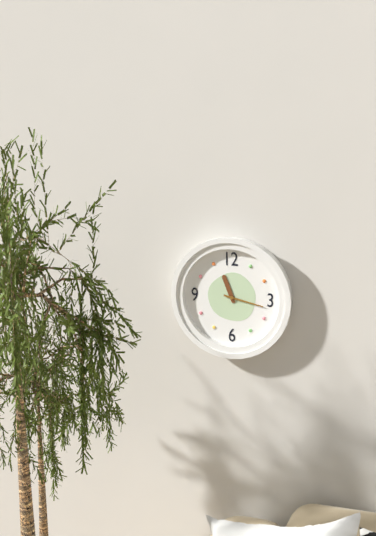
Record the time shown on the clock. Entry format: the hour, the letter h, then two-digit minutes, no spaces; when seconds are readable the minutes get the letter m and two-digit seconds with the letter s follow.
11h17
